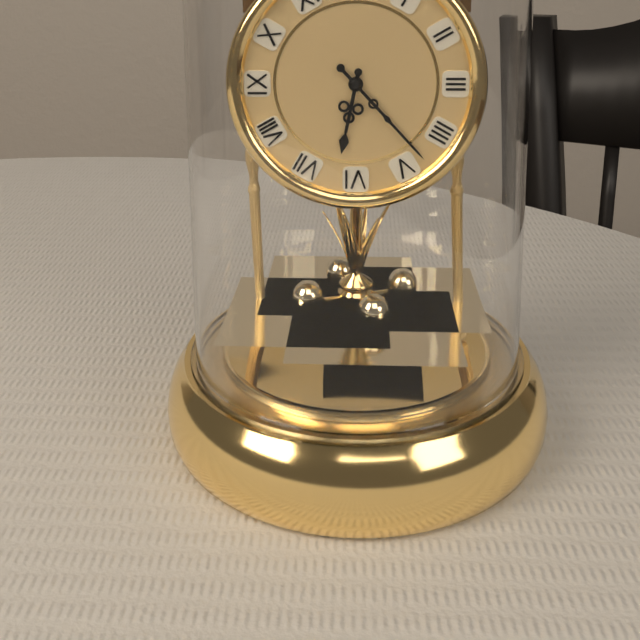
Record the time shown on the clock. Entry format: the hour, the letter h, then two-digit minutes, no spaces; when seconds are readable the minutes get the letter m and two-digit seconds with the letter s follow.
6h23
